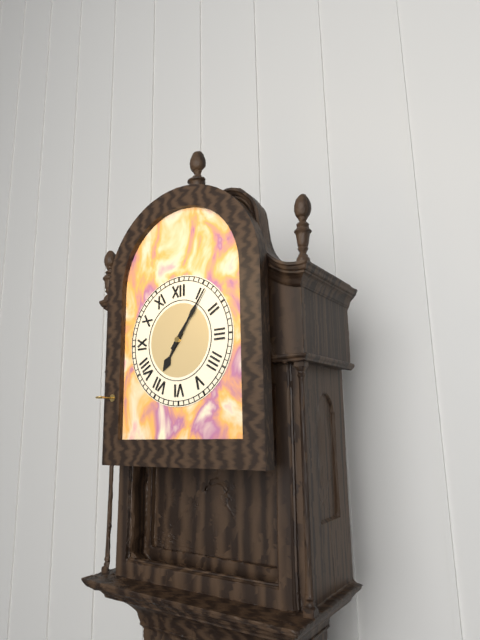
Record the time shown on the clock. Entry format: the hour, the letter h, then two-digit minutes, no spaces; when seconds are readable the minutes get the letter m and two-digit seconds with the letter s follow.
7h06
